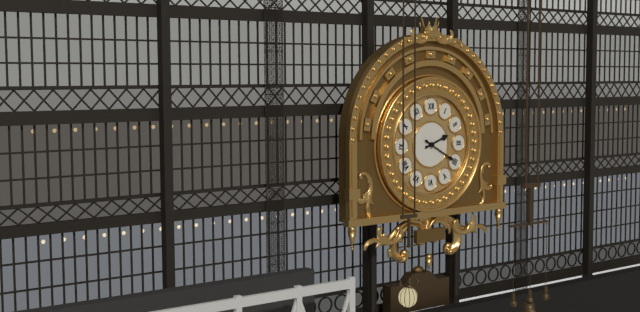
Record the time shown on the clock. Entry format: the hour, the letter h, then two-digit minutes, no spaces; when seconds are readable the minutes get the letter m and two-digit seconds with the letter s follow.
2h20
